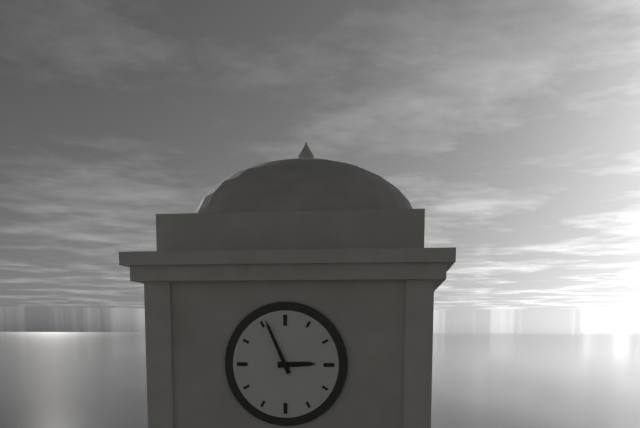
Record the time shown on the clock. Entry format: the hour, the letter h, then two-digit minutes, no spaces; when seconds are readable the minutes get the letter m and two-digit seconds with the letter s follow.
2h56
